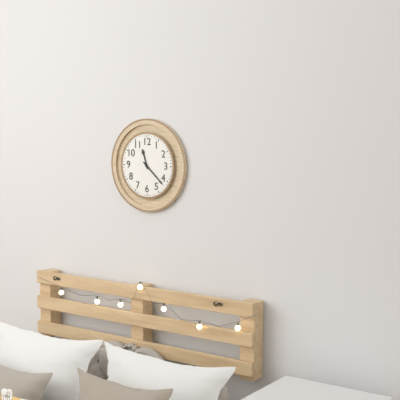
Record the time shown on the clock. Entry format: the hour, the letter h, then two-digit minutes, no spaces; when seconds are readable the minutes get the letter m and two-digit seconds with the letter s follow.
11h22
